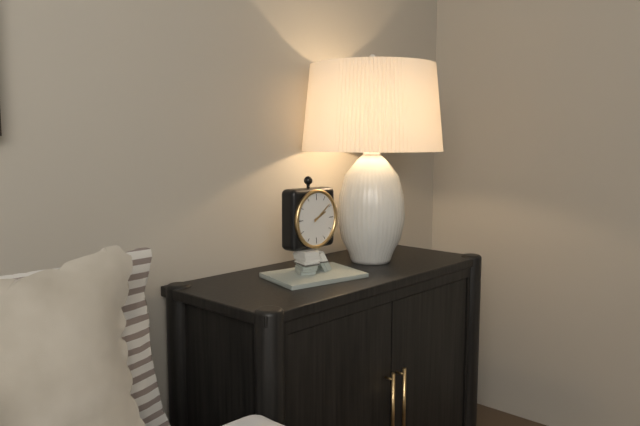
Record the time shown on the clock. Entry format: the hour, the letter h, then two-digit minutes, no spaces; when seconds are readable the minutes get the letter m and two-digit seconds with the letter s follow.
2h09
